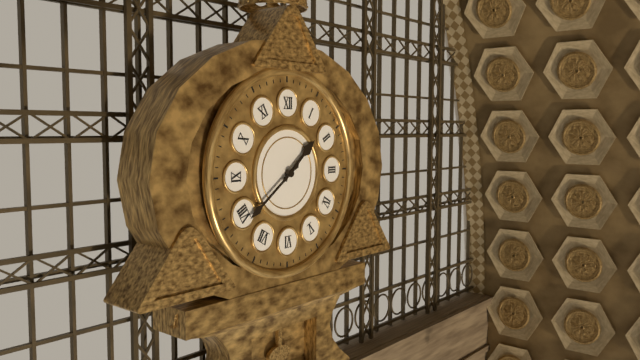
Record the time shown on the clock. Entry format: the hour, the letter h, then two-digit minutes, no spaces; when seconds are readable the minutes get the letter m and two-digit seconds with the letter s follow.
1h39
